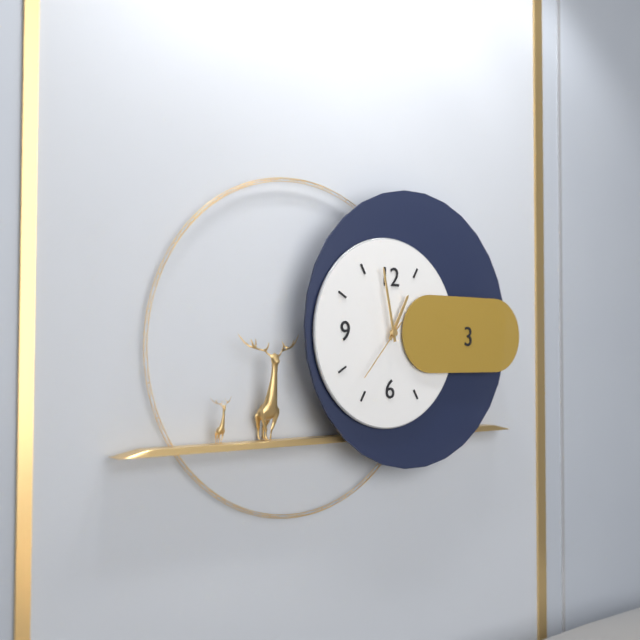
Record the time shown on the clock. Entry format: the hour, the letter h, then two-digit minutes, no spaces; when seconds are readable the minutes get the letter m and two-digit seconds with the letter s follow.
12h58m37s
